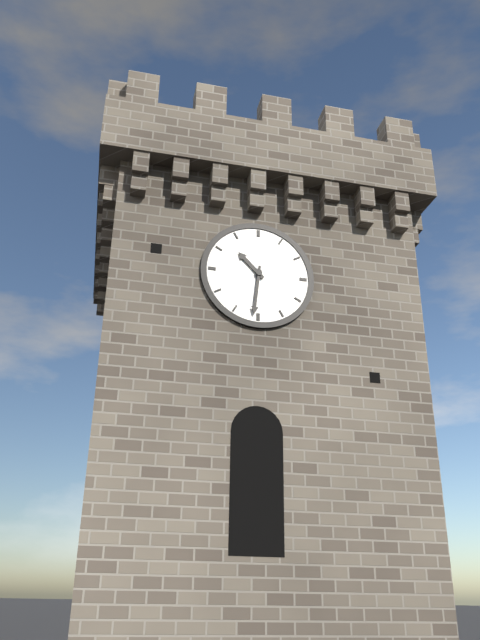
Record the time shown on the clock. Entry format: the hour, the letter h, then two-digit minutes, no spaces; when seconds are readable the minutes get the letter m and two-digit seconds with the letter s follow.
10h31
